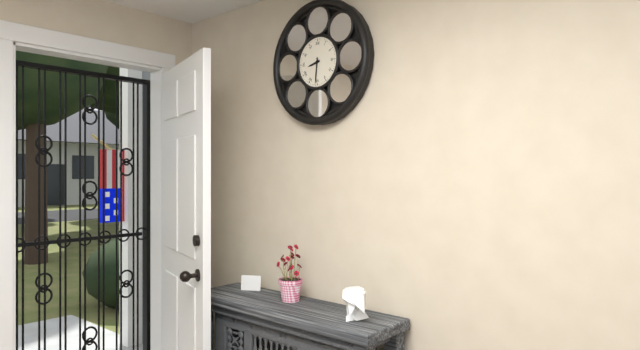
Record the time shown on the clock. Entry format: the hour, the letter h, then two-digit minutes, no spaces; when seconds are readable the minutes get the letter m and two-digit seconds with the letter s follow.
8h31
